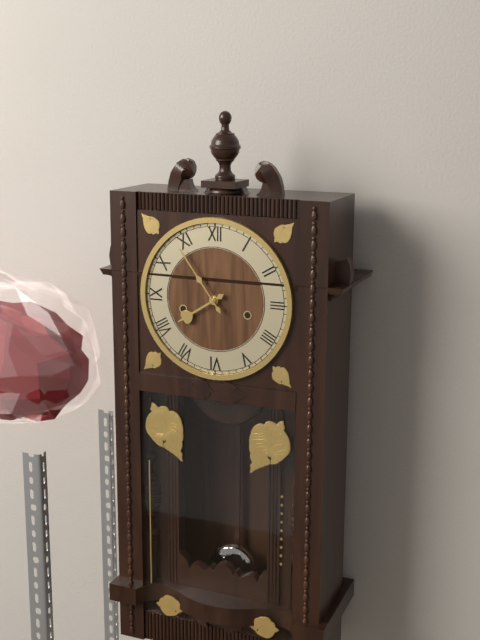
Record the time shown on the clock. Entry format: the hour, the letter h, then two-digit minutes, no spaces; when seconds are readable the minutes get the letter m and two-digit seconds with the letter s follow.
7h54
